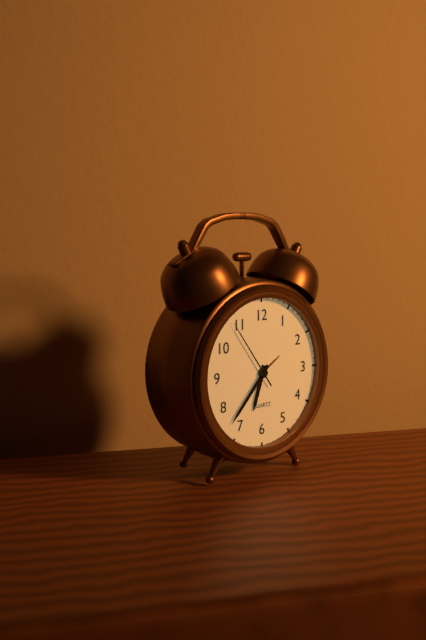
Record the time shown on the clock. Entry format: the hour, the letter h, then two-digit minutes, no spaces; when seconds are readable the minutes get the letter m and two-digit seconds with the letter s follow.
6h37m54s
